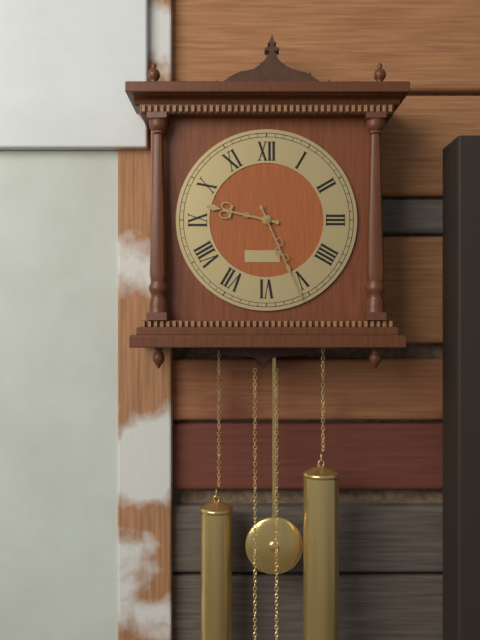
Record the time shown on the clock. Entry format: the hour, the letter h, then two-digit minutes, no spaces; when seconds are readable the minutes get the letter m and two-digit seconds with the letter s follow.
9h26
